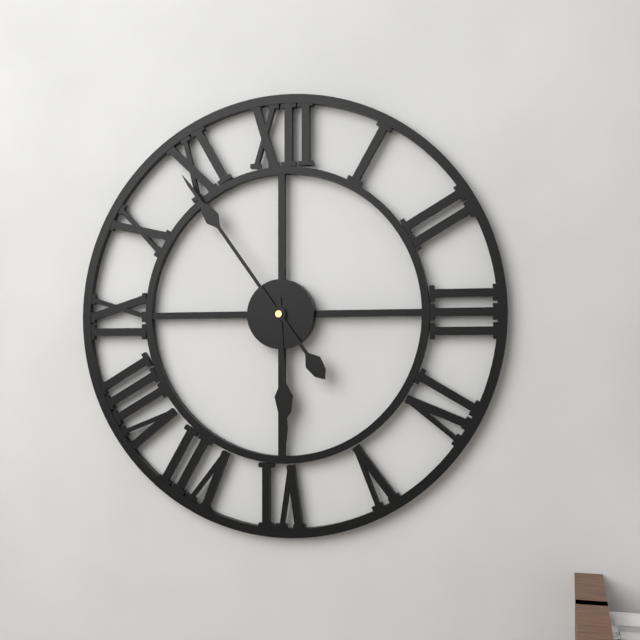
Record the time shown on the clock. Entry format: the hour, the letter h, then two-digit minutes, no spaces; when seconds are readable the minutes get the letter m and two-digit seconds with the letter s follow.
5h54
